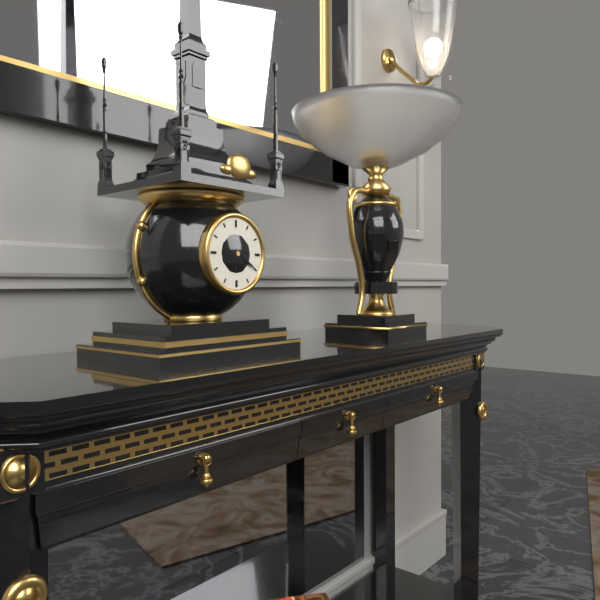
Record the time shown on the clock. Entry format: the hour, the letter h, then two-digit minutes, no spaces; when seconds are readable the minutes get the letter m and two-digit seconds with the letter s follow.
6h20
